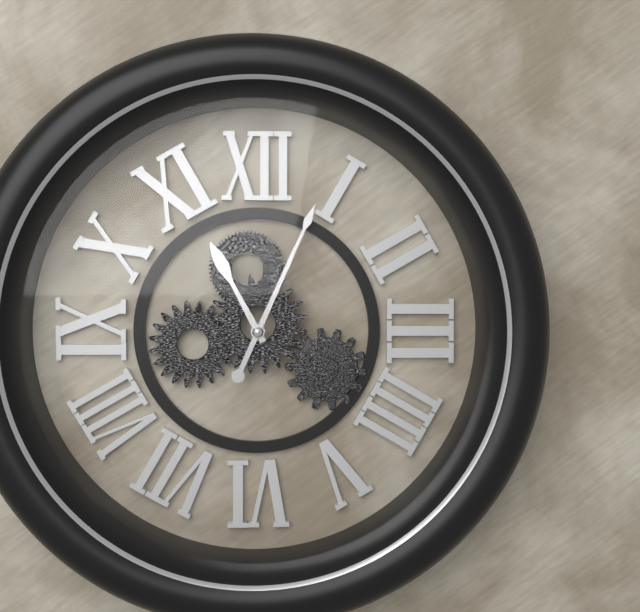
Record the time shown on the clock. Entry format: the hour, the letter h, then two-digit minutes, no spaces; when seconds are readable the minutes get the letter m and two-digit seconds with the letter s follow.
11h04
